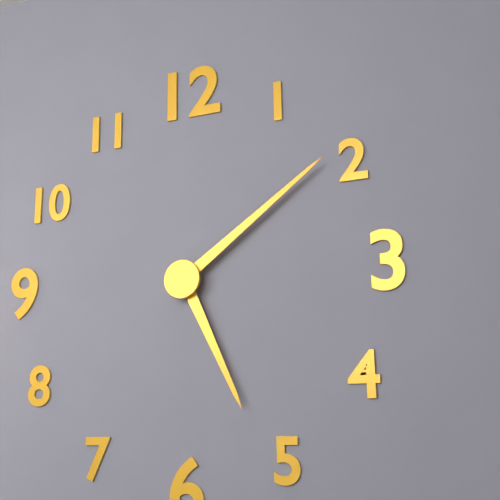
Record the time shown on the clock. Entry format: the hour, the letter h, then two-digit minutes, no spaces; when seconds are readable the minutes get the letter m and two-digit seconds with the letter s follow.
5h09
